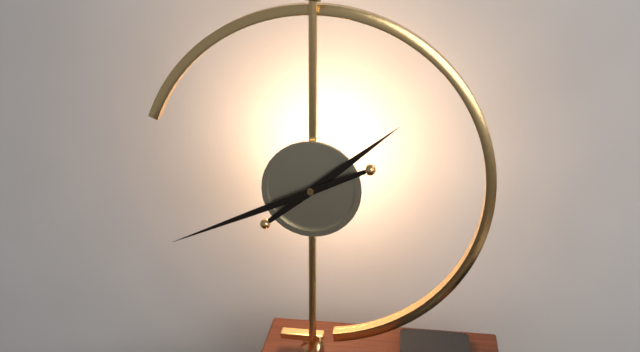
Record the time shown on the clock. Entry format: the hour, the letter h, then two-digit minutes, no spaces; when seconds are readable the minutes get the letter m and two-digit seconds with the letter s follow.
1h41
